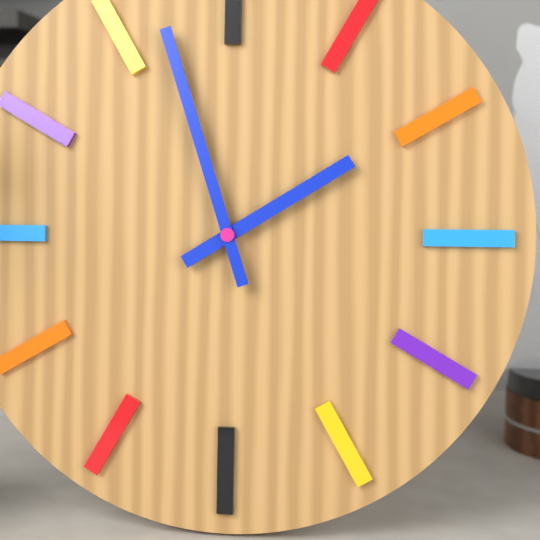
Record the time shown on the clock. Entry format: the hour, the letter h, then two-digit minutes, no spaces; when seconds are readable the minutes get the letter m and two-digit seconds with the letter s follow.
1h57
